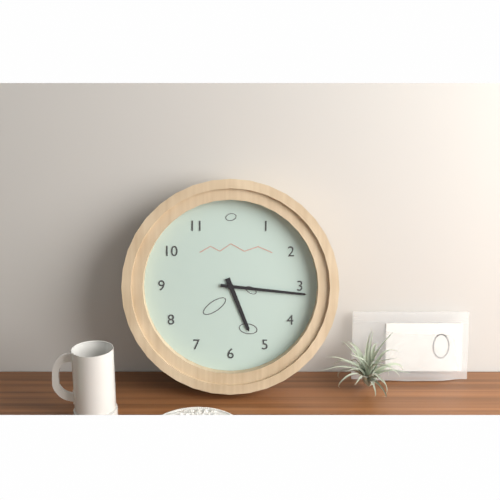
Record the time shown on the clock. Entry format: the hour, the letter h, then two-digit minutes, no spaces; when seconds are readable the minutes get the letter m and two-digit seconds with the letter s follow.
5h16
